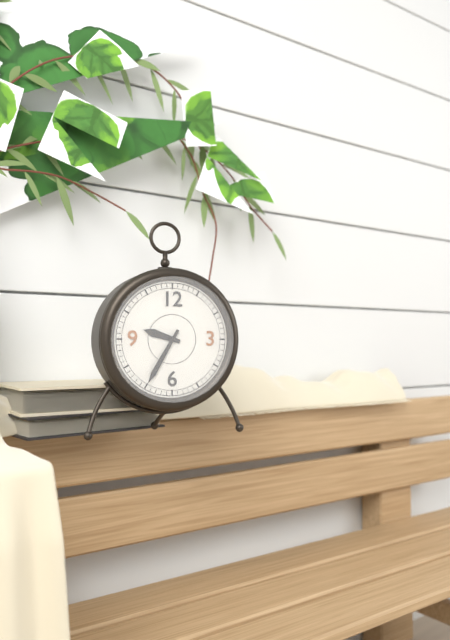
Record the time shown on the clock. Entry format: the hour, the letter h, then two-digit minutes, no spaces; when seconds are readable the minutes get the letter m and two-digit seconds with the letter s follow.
9h35
